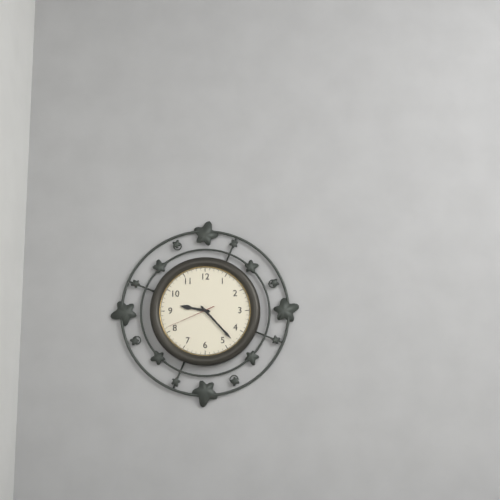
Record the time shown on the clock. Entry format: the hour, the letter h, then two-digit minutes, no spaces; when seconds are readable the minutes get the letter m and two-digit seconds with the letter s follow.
9h23m41s
